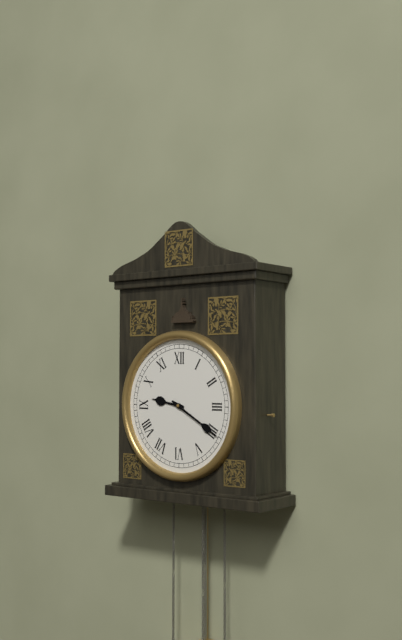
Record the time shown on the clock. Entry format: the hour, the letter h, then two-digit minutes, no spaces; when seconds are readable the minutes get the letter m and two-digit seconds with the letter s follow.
9h20
